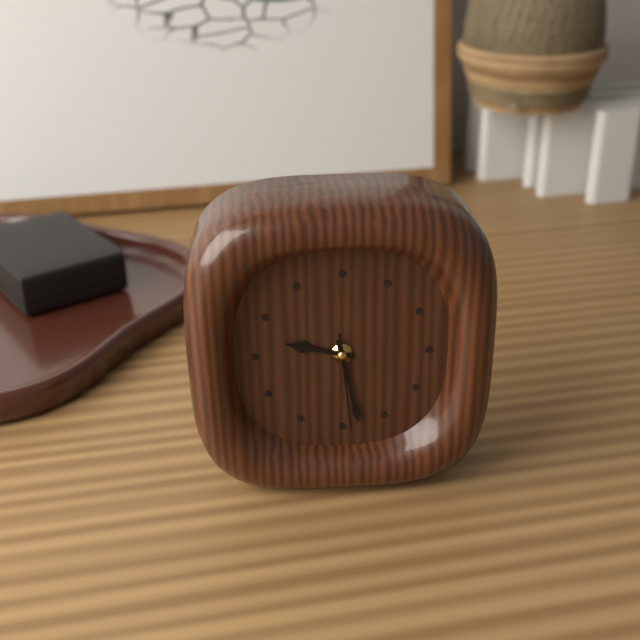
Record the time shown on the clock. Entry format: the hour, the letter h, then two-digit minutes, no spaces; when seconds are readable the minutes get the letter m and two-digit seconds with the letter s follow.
9h28m29s
